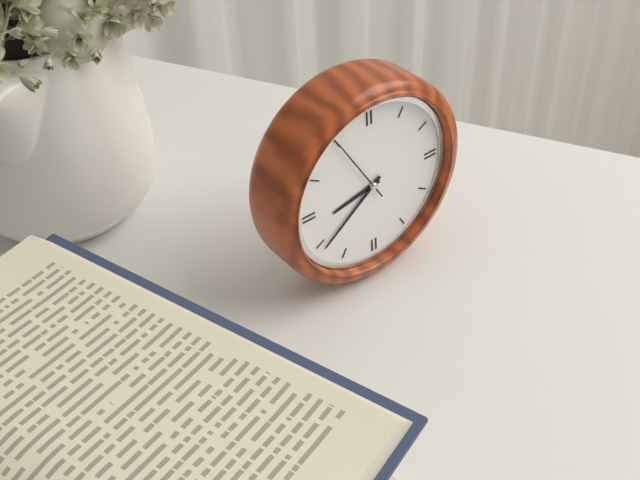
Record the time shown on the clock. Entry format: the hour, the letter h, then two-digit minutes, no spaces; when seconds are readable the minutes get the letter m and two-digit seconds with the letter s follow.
8h39m55s
